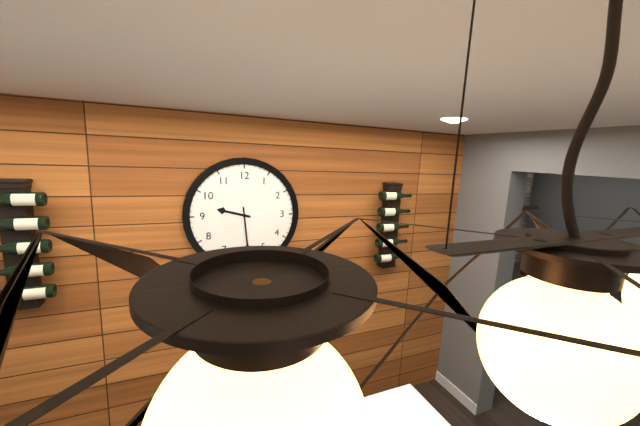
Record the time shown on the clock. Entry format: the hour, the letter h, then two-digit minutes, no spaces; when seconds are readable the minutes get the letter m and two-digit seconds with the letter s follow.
9h29
